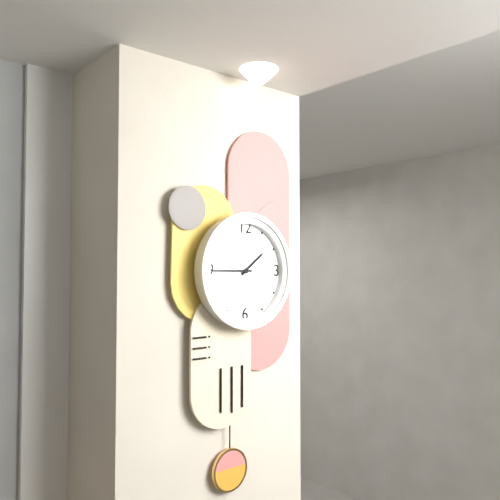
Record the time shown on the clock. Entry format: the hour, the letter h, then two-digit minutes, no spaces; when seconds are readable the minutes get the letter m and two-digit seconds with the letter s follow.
1h45
